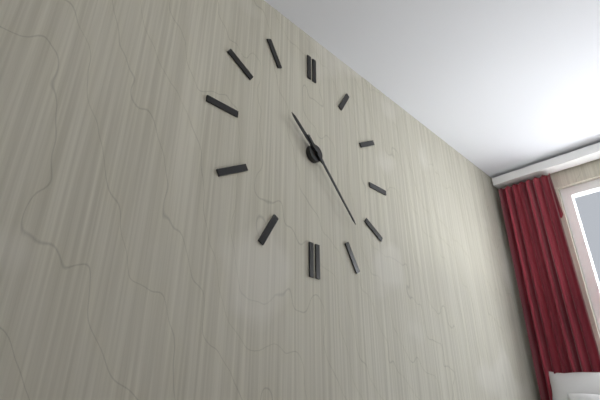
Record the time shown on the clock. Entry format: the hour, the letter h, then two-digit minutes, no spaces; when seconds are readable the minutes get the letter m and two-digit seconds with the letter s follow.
10h23
